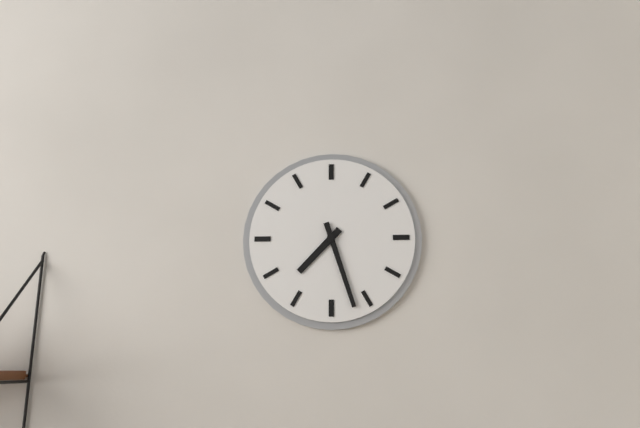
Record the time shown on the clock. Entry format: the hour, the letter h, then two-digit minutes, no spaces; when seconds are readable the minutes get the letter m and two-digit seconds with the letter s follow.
7h27
